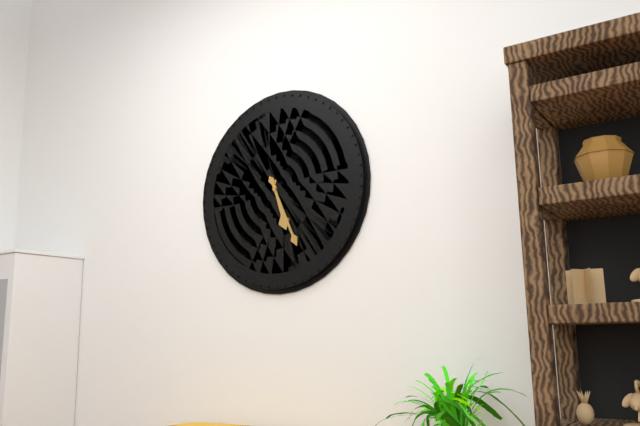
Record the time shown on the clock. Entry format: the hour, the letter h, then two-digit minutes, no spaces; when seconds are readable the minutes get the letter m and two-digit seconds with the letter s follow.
5h26
